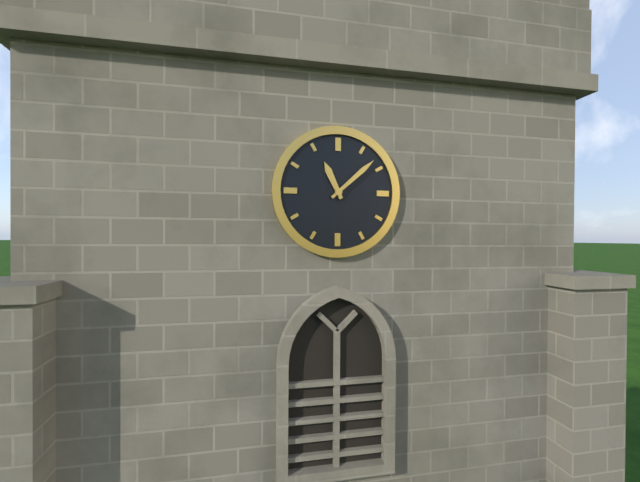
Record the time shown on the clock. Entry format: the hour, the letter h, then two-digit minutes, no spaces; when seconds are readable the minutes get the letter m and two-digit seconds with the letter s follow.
11h08
